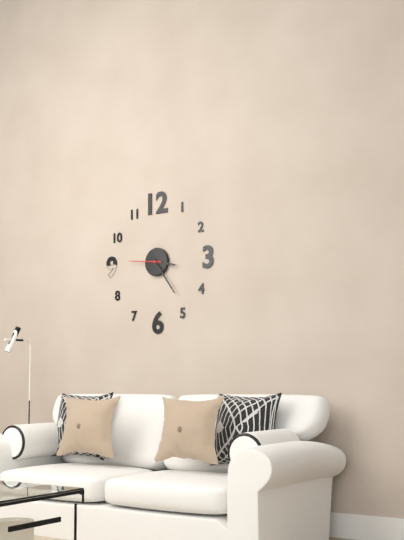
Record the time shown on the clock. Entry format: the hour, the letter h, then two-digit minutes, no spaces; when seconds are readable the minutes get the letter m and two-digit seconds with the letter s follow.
3h24
